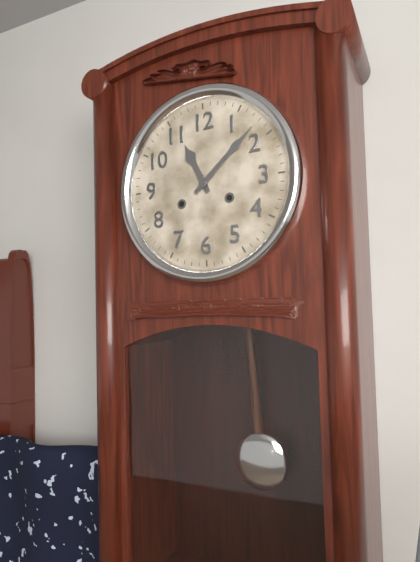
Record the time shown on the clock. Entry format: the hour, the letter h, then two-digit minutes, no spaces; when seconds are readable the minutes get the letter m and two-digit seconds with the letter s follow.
11h08
